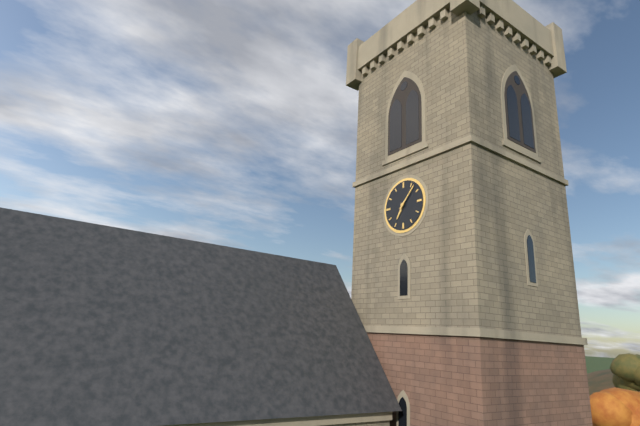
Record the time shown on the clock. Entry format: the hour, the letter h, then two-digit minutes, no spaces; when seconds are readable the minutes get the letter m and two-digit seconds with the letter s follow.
7h07
